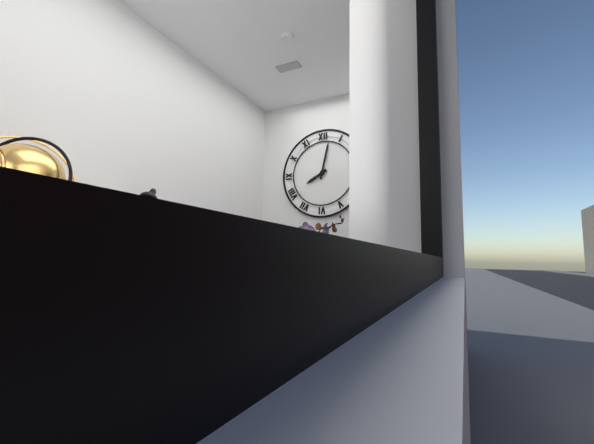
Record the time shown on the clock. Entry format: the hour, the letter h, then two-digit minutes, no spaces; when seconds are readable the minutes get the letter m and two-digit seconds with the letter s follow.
8h02
